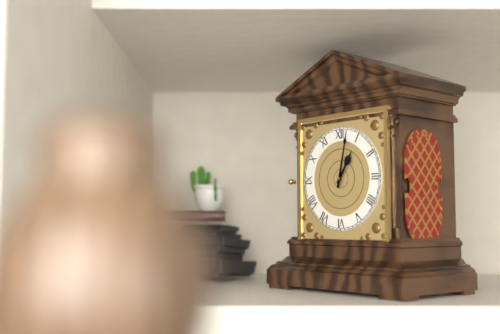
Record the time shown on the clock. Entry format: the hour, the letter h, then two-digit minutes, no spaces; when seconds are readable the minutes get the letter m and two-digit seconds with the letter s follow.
1h02
